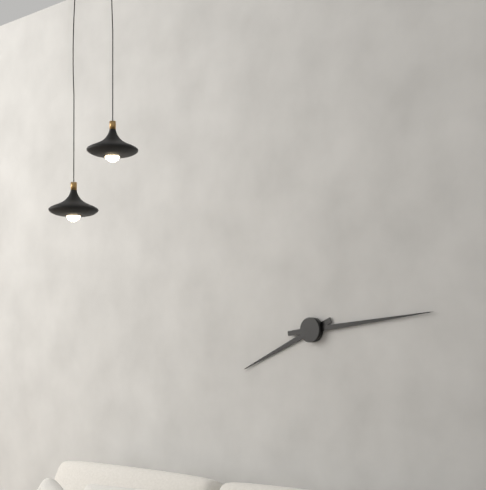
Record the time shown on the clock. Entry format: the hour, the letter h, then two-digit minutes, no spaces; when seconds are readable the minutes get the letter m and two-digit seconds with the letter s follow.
8h14
